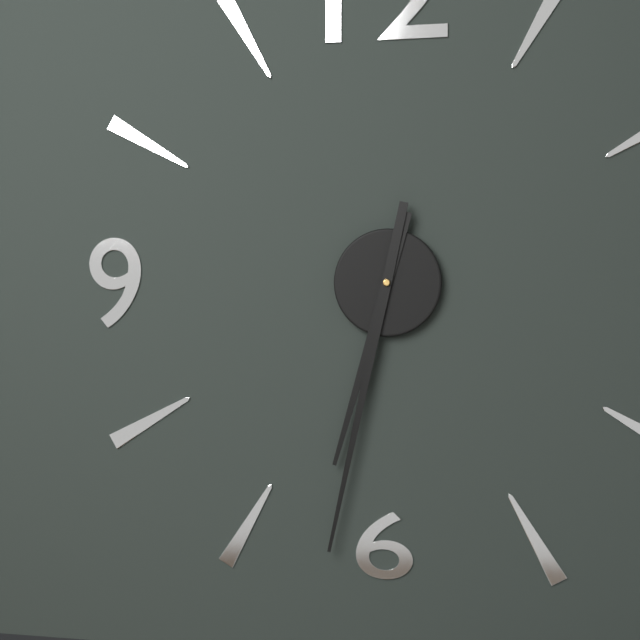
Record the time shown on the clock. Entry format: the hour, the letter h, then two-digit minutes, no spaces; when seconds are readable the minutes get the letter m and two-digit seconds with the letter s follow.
6h32
